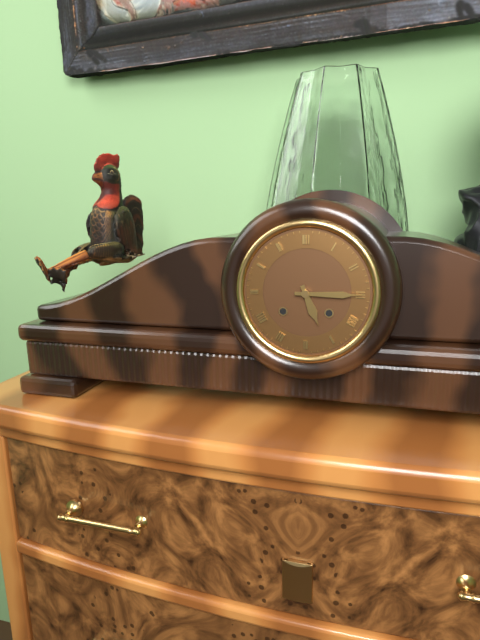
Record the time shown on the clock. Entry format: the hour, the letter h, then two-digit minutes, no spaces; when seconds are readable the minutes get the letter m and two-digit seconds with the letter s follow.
5h15
